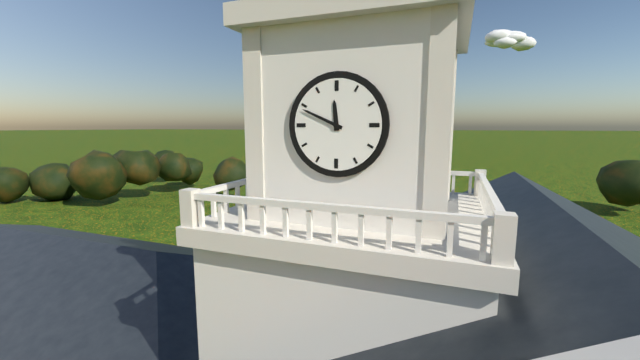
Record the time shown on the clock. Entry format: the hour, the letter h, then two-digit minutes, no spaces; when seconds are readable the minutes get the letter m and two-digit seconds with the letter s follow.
11h49
